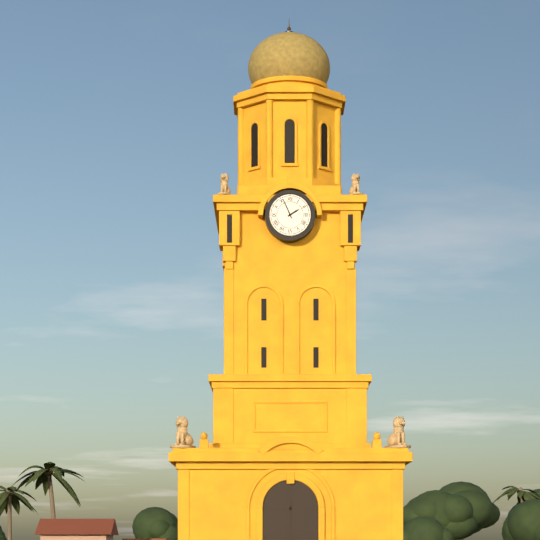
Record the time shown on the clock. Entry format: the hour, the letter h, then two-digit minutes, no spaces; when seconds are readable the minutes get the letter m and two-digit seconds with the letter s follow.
1h56
